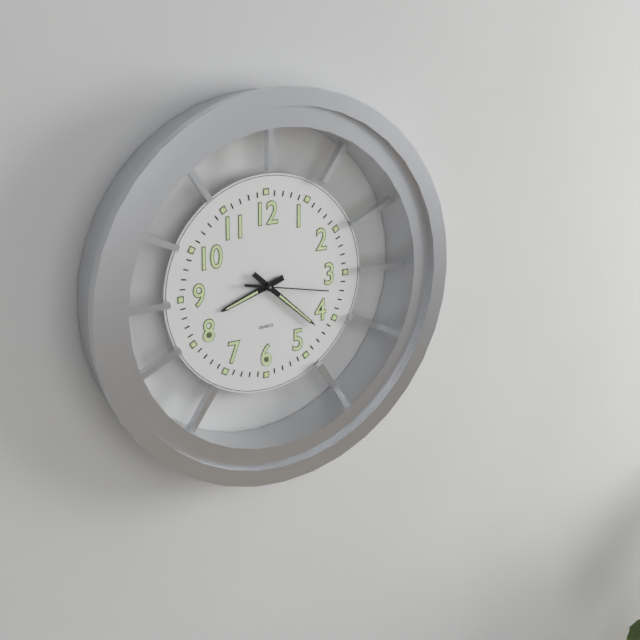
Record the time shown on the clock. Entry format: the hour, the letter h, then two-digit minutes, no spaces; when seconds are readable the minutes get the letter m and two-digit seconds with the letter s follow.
8h22m17s
